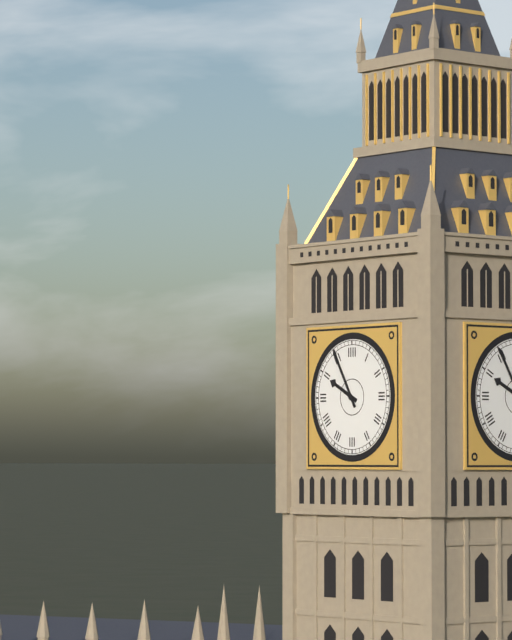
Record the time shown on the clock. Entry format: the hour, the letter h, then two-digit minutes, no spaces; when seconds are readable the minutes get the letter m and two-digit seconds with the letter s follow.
9h55
